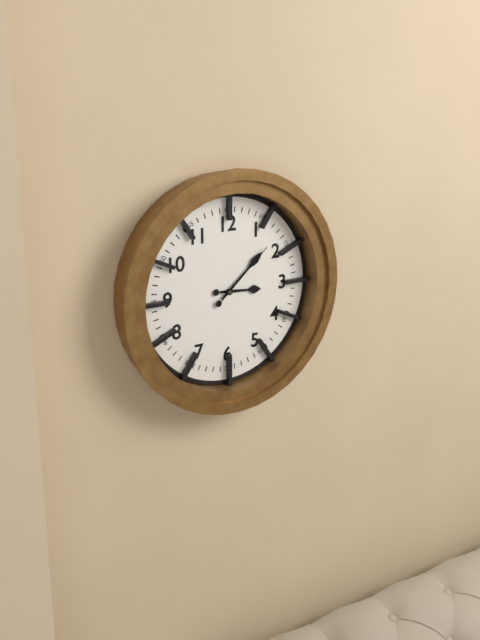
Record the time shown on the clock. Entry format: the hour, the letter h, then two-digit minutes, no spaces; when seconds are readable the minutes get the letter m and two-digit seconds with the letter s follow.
3h08m08s
